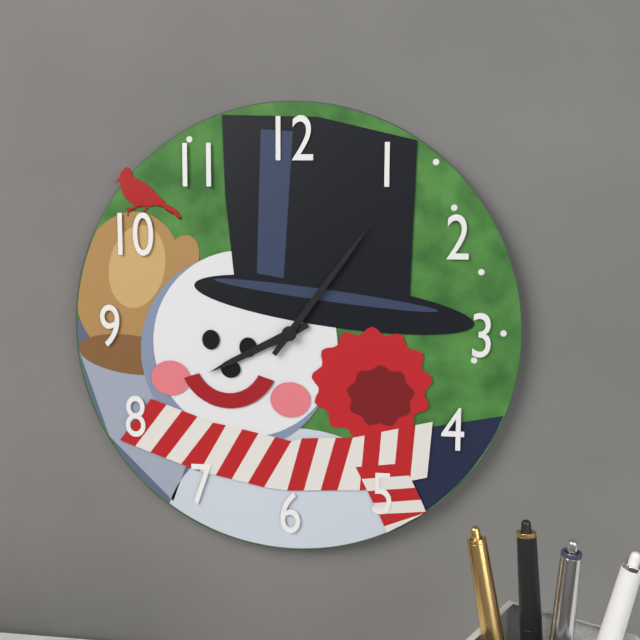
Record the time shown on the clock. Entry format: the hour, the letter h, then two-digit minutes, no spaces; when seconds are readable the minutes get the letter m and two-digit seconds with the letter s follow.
8h06
